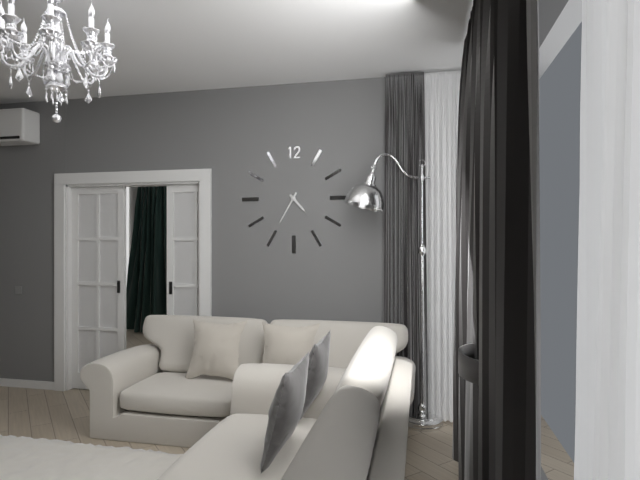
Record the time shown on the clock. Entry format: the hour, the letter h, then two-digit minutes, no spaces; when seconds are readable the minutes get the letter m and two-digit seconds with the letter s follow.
4h35
